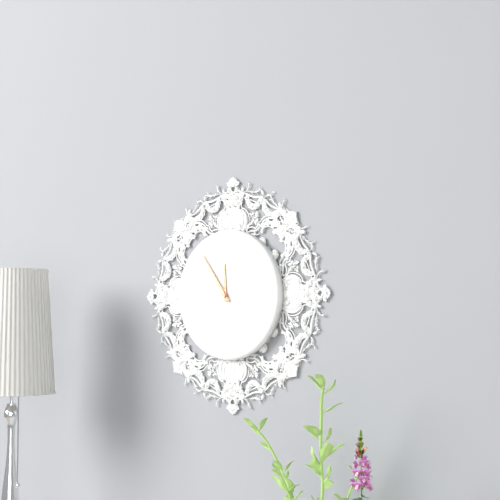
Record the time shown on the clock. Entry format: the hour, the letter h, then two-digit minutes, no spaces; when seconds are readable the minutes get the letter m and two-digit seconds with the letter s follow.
11h54
